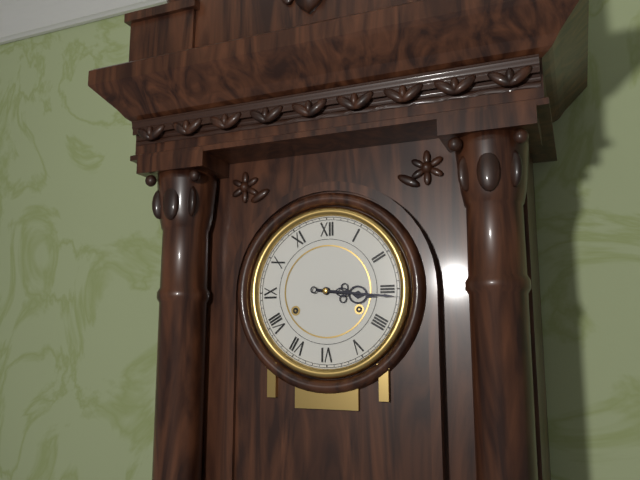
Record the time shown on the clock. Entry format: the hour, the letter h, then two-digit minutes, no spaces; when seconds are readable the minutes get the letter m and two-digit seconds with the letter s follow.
3h16
